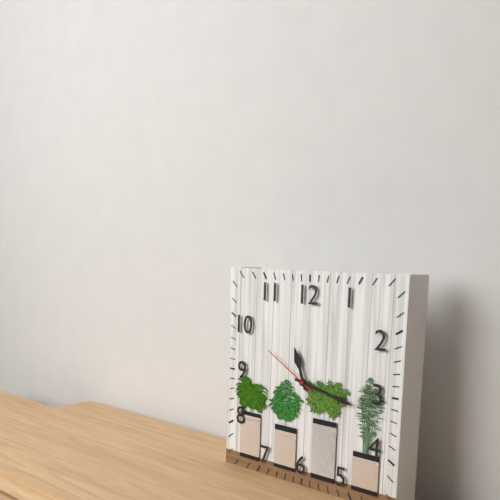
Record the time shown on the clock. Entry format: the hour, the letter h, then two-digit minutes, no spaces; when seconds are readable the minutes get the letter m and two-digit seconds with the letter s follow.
11h17m50s
